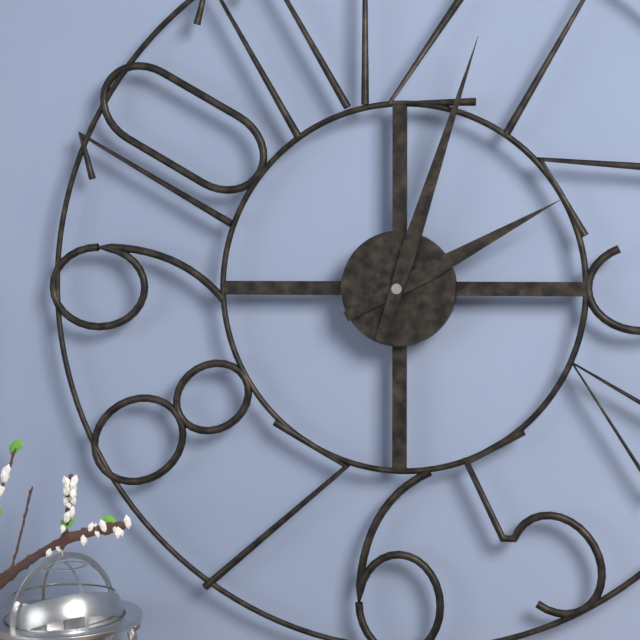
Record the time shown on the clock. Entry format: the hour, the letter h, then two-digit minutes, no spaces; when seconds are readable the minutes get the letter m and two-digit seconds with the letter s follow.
2h03
